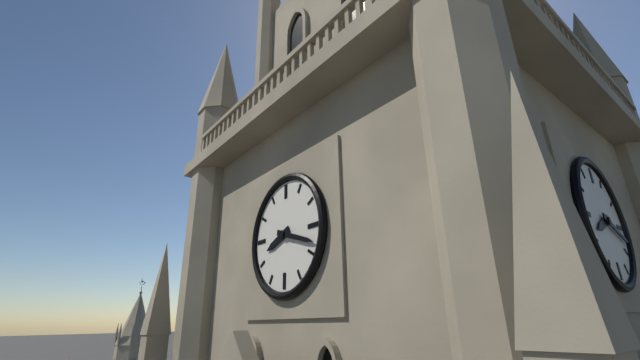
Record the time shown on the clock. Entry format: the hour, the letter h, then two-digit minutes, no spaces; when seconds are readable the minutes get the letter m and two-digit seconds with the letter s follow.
8h18
